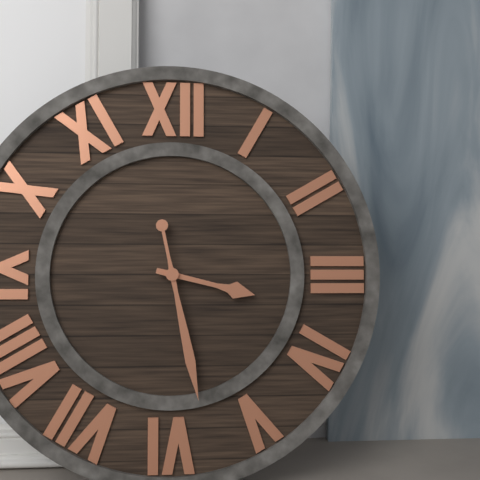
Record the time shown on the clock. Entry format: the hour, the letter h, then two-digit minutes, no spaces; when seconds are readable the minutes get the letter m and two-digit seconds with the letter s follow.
3h28
